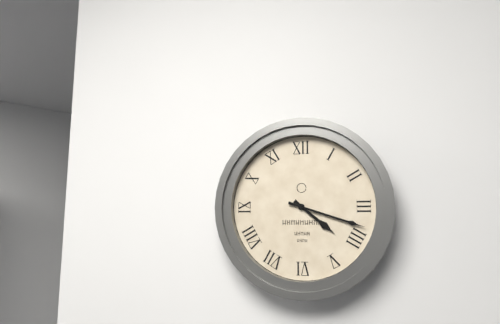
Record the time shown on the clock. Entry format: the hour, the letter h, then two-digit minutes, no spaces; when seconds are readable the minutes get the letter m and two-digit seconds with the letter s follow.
4h18
